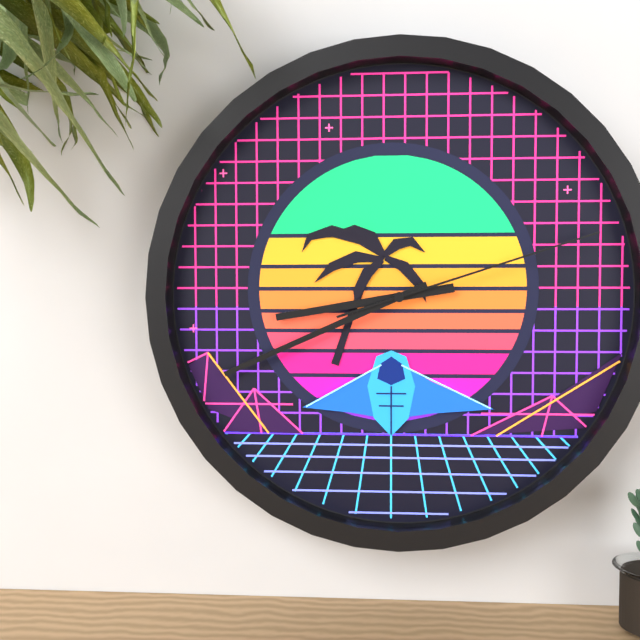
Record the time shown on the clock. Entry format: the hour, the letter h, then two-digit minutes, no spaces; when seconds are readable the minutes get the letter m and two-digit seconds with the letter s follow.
8h41m12s
